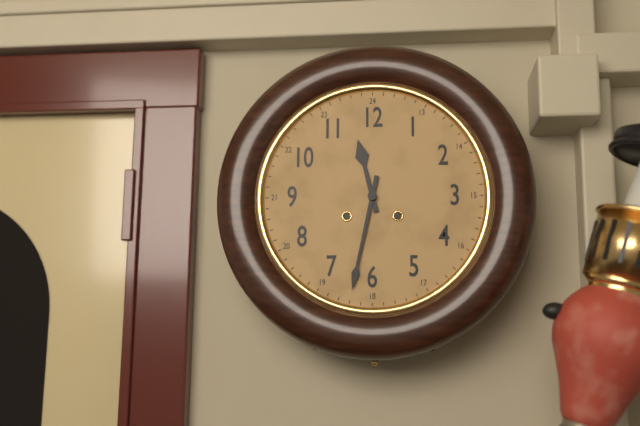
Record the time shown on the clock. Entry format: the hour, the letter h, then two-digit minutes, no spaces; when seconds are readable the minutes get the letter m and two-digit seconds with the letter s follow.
11h32
